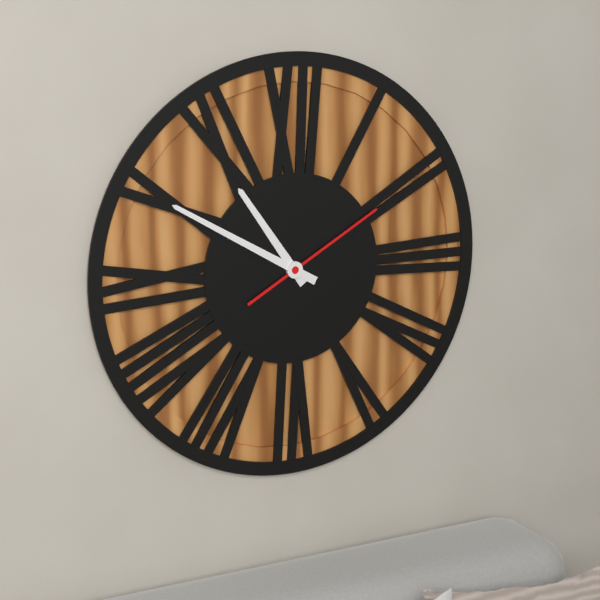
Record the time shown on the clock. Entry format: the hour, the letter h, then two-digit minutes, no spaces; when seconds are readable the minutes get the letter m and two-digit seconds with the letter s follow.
10h50m10s
